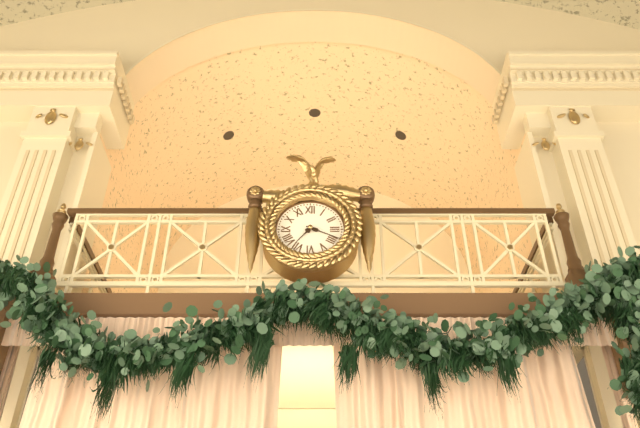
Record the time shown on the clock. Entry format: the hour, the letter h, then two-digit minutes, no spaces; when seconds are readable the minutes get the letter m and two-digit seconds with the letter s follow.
7h19
